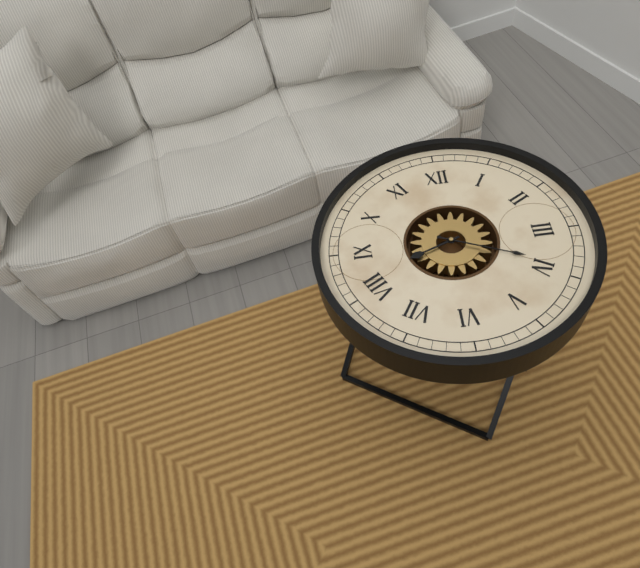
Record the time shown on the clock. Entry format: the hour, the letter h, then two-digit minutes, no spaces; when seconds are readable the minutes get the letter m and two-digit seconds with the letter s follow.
8h19
